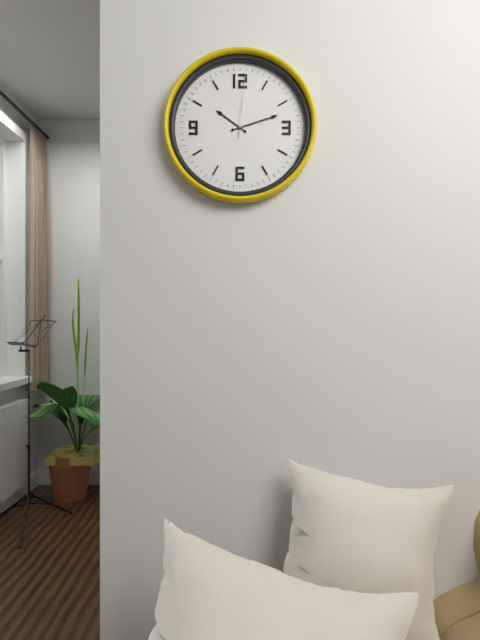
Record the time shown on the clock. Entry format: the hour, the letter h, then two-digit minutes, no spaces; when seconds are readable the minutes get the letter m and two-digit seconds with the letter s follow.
10h12m01s
